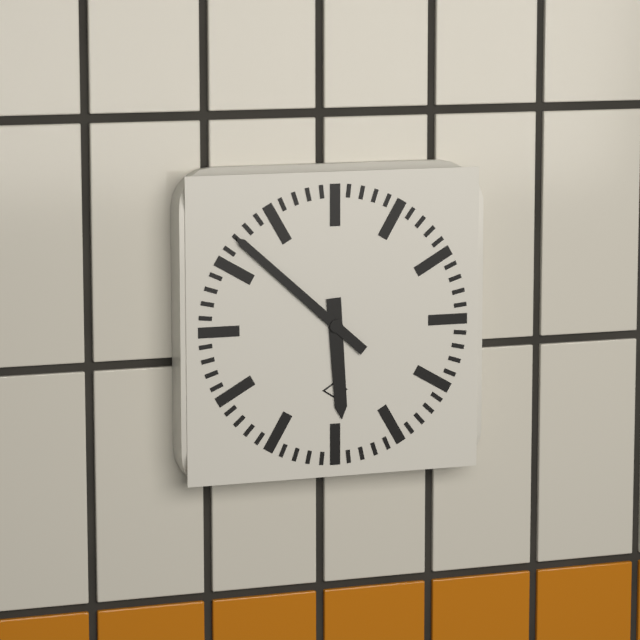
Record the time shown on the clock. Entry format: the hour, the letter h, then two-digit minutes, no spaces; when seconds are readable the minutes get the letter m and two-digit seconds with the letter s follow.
5h52
